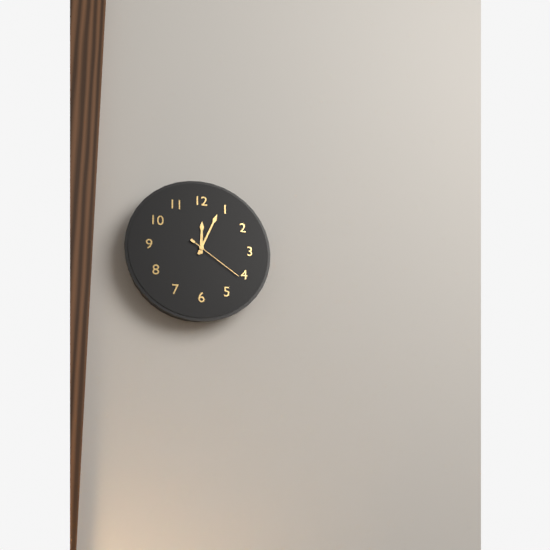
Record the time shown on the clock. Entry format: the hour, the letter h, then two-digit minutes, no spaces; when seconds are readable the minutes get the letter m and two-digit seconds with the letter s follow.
12h04m21s
